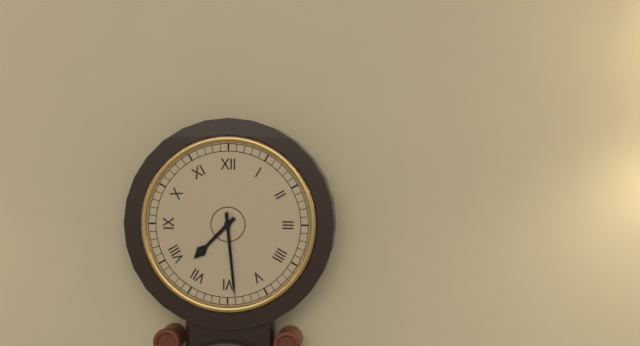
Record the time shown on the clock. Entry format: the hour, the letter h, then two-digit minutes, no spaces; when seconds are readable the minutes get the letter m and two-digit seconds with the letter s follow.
7h29
